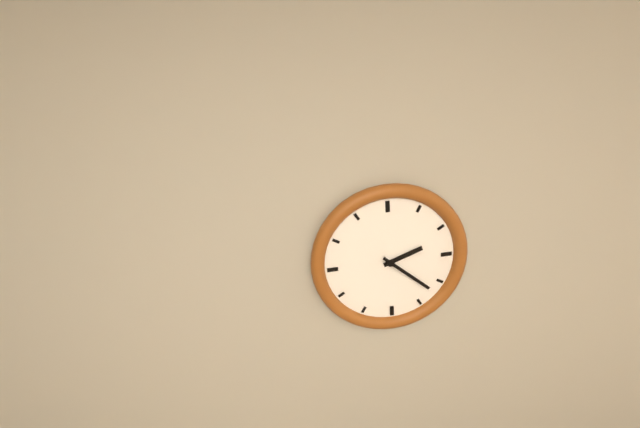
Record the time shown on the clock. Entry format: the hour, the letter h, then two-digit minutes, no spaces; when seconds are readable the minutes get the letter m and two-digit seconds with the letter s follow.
2h22
